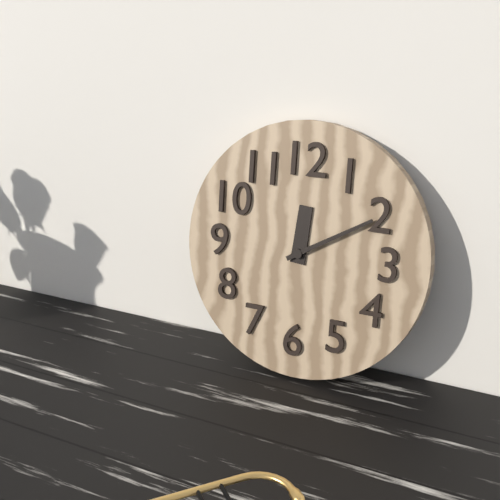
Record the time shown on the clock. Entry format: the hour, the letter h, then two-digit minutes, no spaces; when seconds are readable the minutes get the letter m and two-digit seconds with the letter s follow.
12h10
